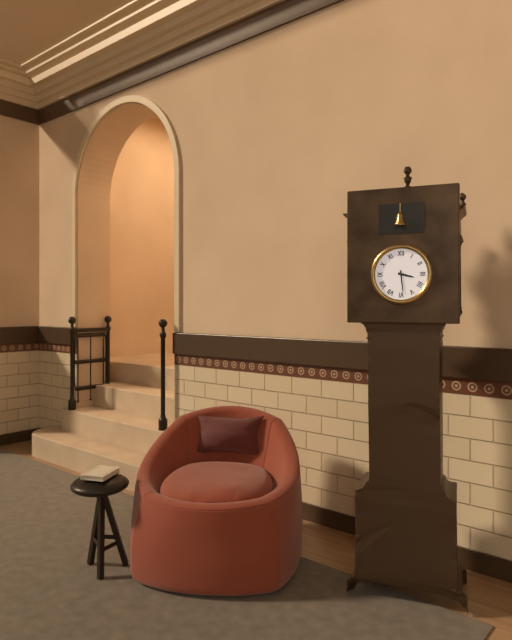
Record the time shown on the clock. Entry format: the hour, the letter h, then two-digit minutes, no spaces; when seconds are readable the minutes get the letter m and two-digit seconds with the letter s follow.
3h29
